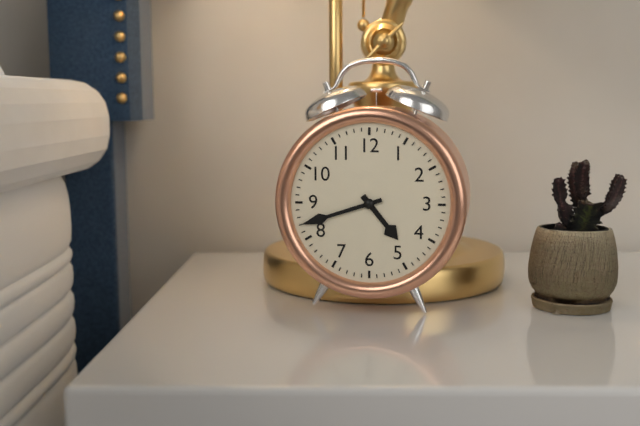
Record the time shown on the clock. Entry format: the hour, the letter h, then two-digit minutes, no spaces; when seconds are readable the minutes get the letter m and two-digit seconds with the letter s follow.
4h42
